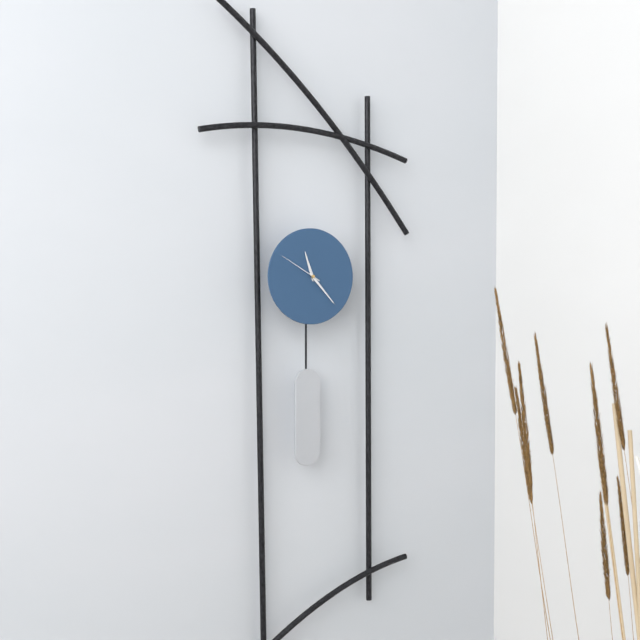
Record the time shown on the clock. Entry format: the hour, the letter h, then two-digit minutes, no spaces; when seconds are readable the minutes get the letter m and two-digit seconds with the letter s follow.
11h23
